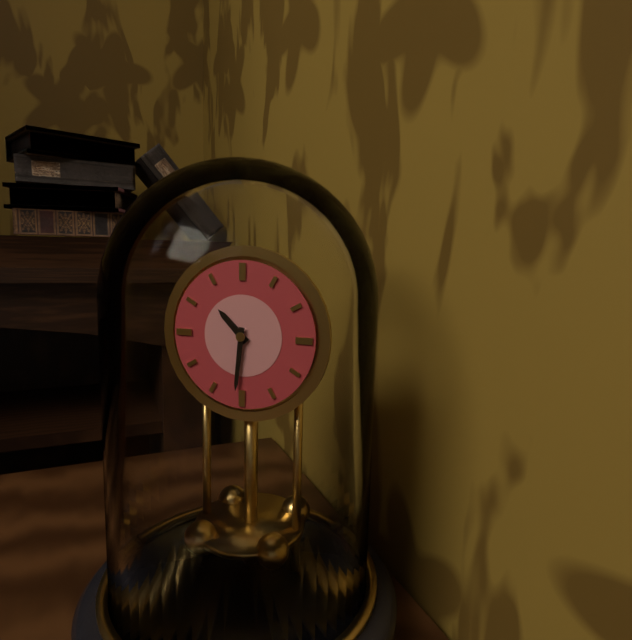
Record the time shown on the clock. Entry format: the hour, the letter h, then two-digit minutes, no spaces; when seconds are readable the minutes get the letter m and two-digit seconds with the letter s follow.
10h31
